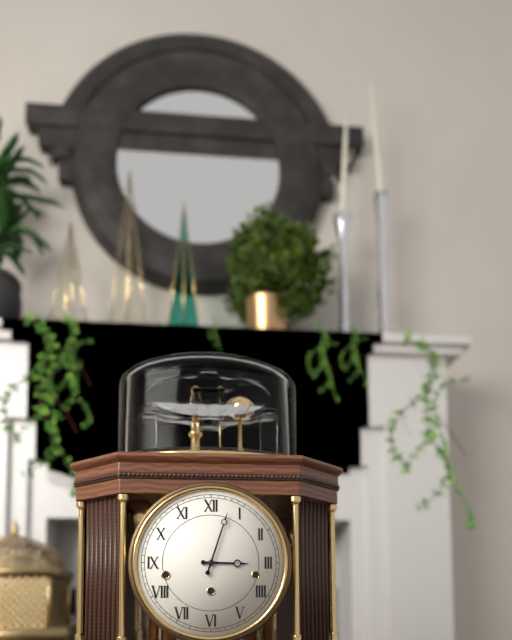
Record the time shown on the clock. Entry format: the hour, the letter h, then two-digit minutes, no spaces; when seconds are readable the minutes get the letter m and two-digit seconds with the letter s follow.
3h03
